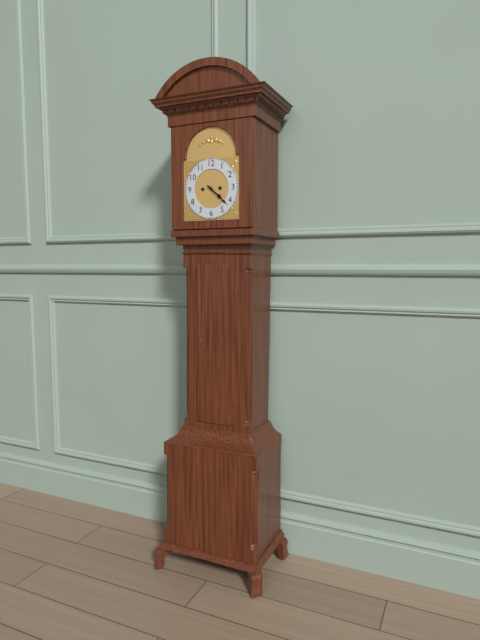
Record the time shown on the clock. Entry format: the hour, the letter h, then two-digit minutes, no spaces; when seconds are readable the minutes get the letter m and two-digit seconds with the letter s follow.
4h22
